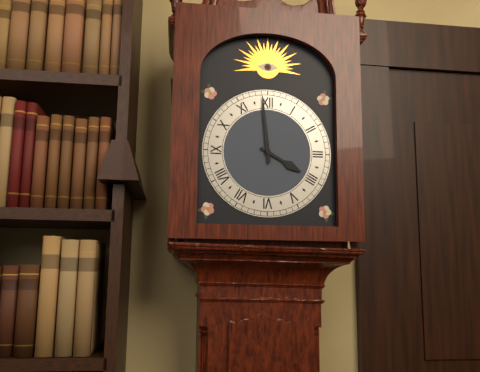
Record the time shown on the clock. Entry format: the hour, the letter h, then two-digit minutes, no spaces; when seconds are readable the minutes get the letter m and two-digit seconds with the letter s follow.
3h59
